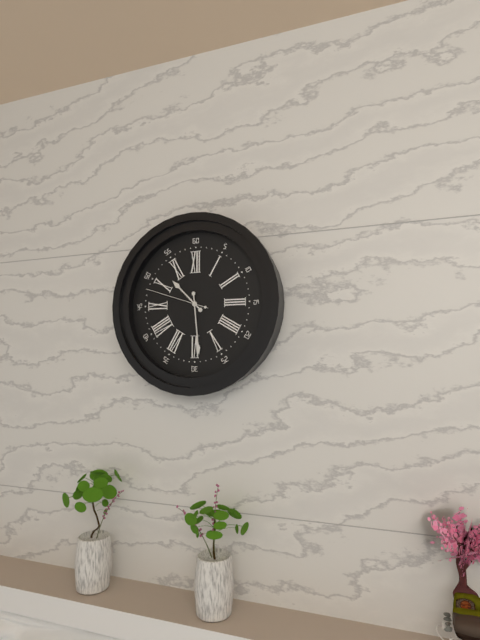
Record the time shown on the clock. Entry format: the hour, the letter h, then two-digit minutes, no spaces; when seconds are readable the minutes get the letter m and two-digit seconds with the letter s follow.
10h29m48s
